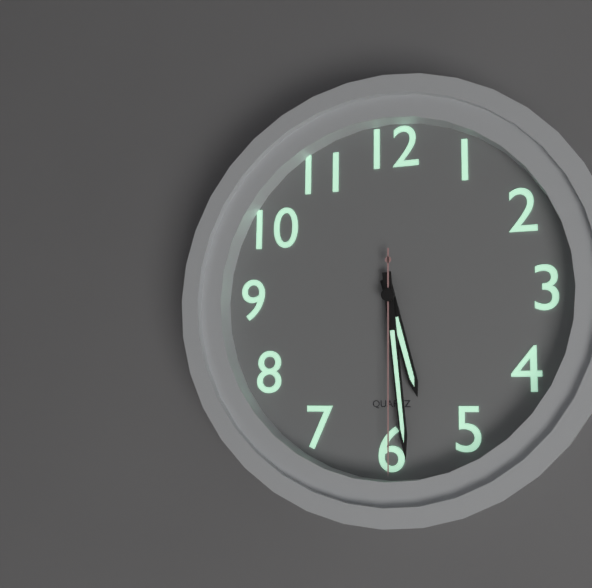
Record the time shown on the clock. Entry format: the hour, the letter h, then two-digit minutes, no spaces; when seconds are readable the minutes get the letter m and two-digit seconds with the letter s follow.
5h29m30s
